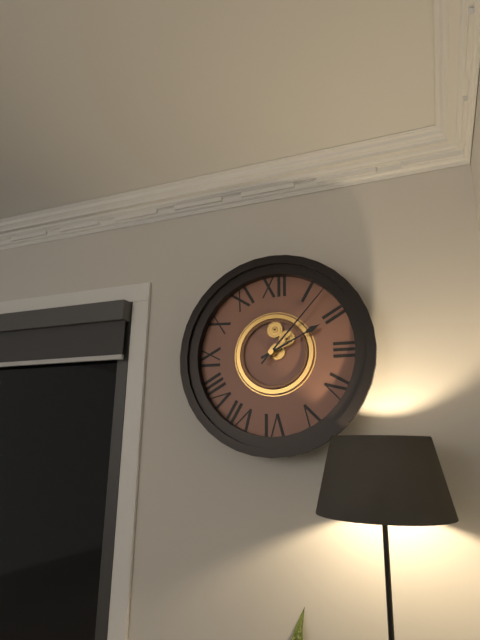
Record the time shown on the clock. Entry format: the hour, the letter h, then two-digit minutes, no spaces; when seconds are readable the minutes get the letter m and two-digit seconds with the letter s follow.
2h07
